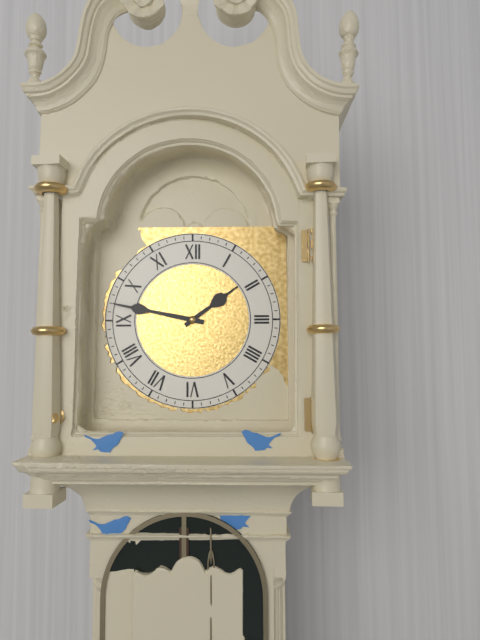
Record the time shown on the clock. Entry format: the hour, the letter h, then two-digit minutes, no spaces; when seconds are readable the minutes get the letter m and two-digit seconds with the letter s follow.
1h47
